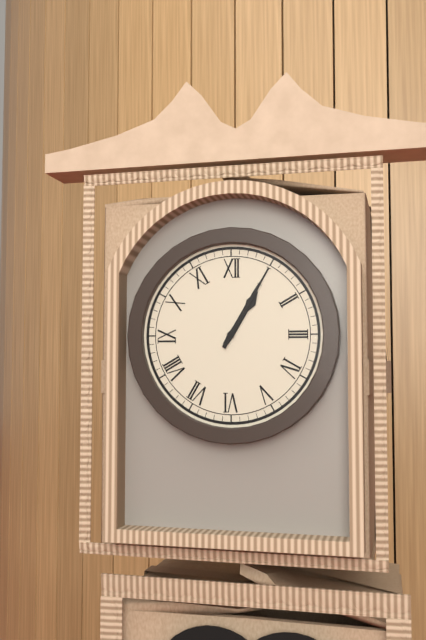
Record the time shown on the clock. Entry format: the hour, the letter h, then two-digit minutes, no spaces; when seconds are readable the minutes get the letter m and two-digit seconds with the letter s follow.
1h05
